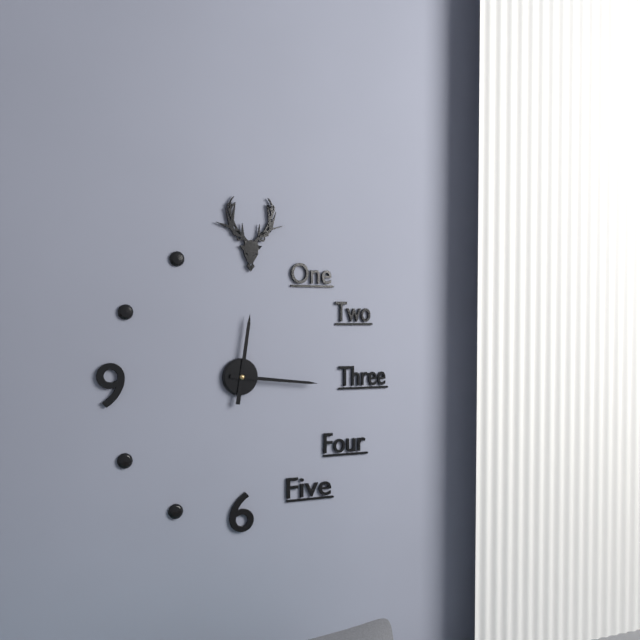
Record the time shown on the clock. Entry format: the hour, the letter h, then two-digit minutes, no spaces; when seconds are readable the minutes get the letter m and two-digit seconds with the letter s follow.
12h16
